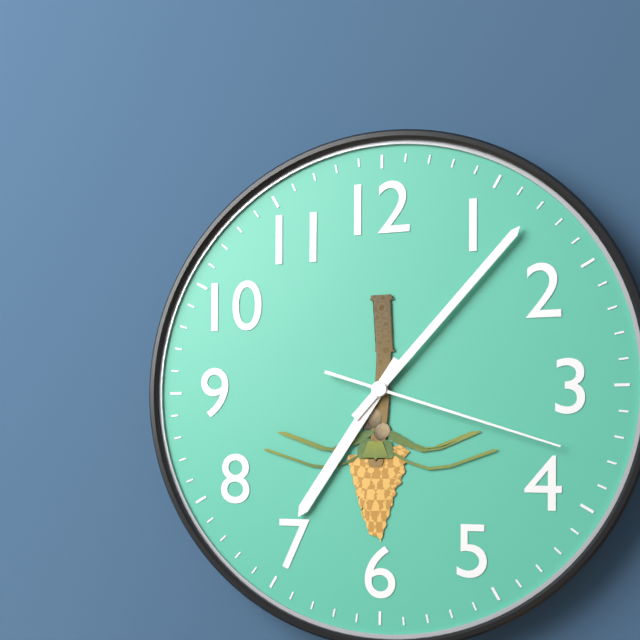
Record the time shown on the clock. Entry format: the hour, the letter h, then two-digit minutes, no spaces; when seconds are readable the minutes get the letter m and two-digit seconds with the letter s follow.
7h07m18s
